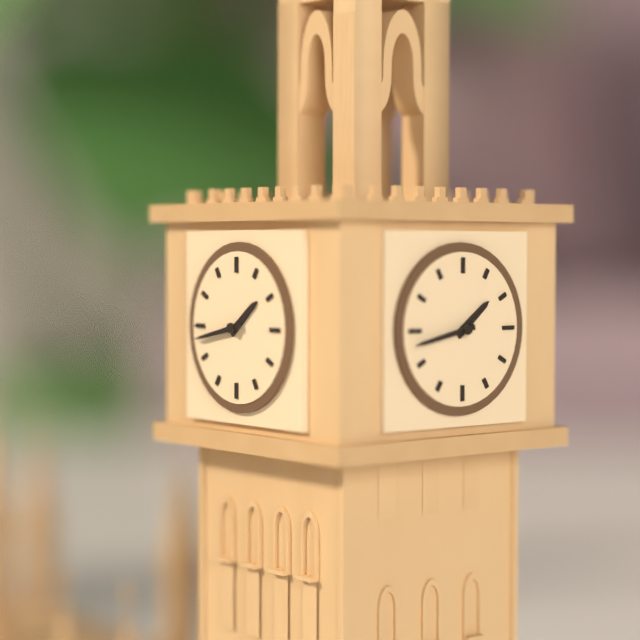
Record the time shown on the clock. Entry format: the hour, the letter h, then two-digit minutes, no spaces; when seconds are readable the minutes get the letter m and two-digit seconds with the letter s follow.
1h43
